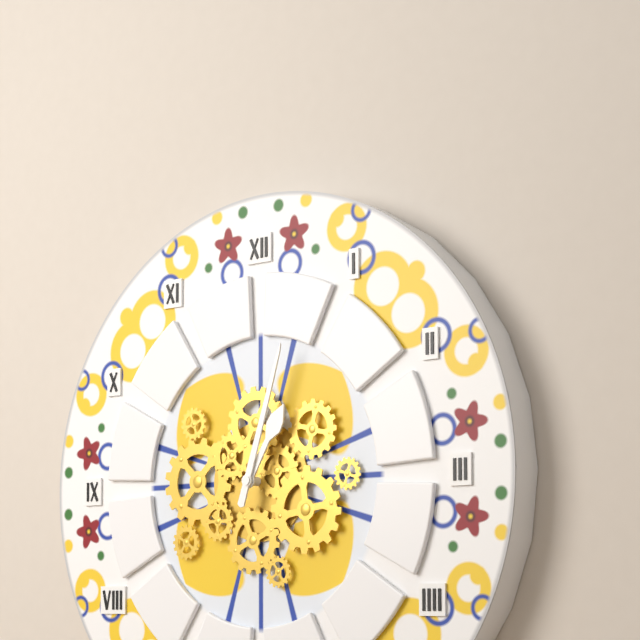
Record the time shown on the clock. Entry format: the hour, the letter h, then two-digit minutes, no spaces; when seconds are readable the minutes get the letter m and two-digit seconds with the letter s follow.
1h03
